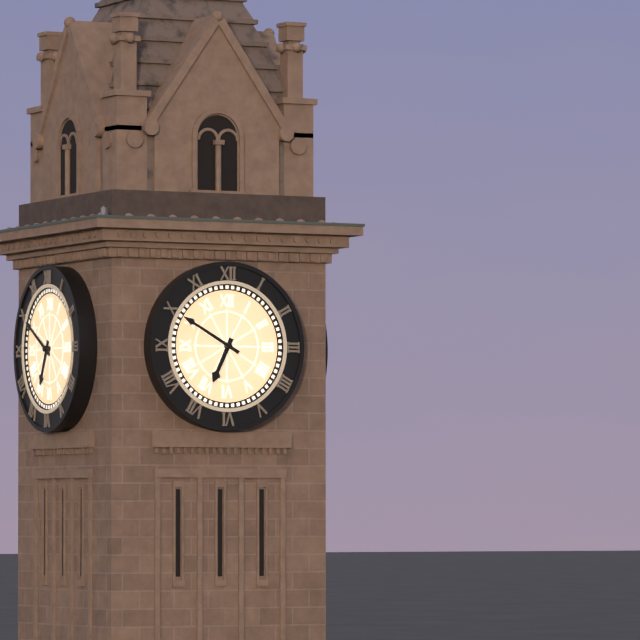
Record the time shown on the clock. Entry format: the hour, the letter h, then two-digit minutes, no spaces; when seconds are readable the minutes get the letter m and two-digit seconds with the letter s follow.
6h50
